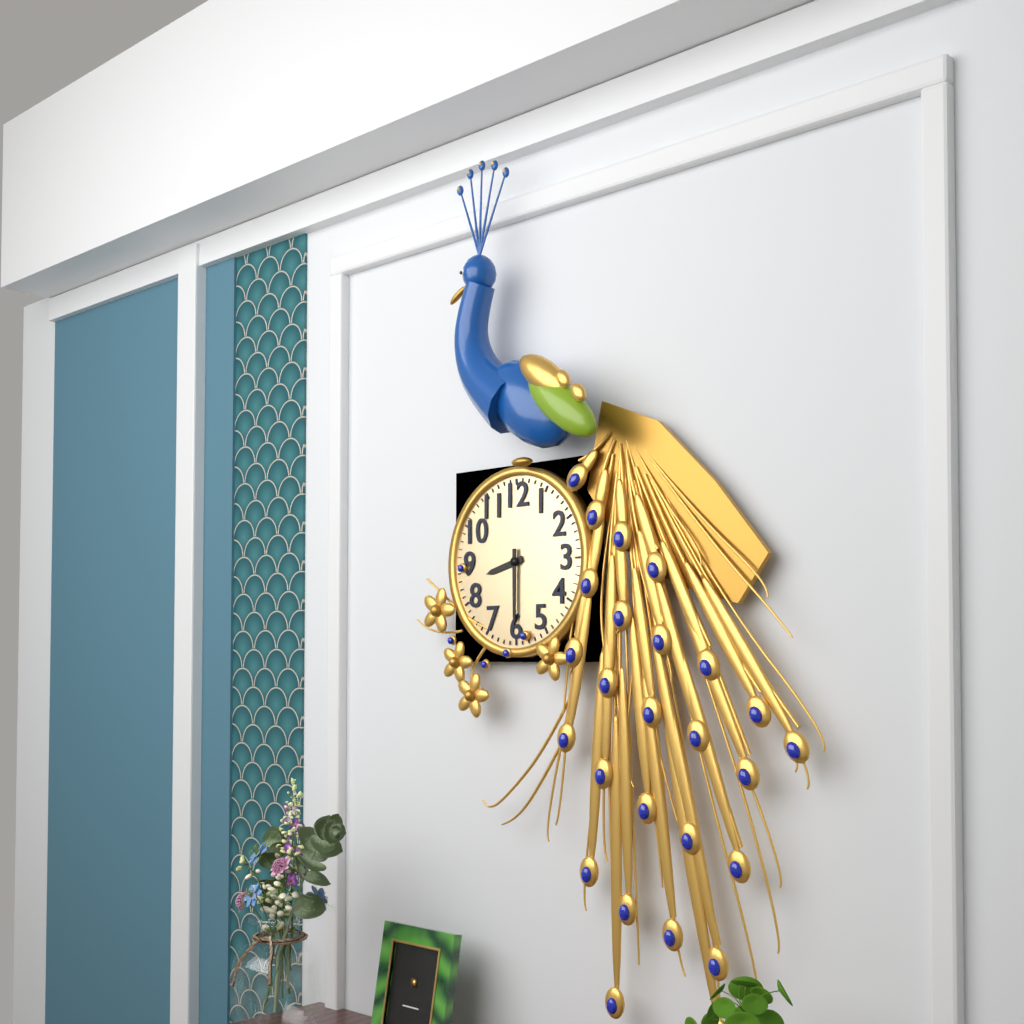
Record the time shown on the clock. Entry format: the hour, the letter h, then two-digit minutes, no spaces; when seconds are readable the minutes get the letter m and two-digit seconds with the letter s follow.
8h30
